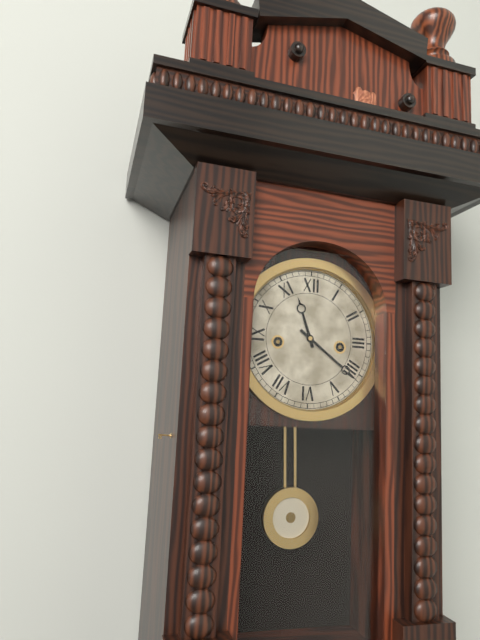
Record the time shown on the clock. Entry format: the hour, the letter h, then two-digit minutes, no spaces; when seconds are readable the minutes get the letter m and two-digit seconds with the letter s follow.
11h21
